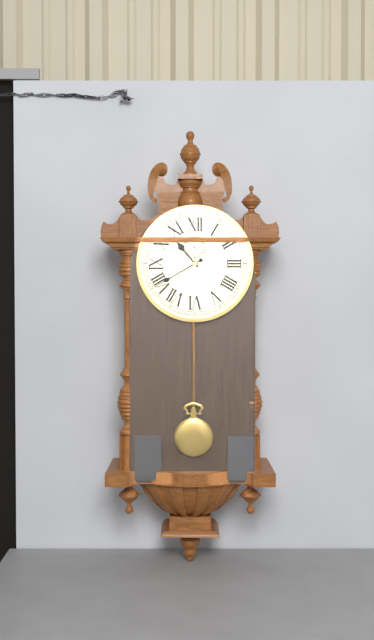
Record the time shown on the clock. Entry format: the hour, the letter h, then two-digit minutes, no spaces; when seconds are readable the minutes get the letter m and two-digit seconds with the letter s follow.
10h40
